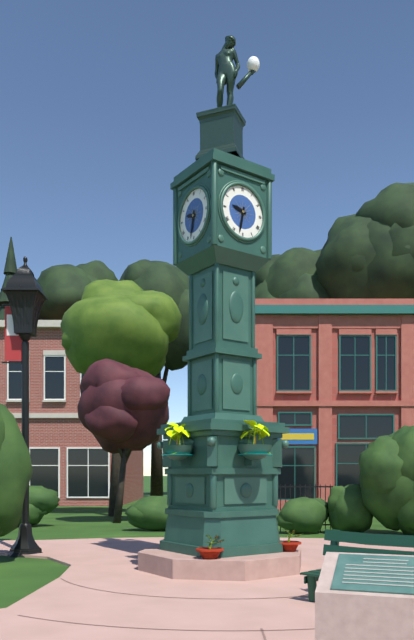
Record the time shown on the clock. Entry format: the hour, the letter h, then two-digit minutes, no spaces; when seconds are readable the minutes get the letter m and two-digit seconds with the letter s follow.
9h32
